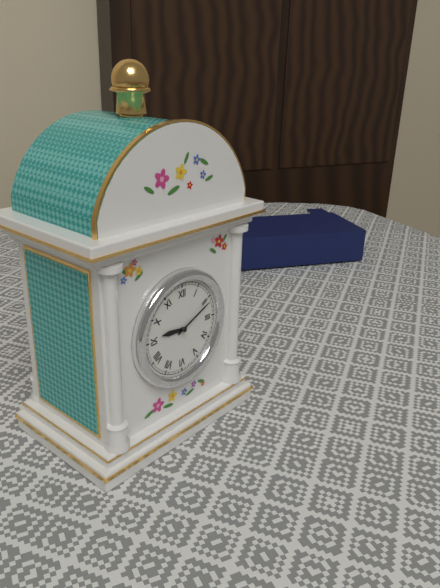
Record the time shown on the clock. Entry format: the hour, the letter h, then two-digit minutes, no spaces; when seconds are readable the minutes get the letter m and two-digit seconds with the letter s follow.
9h11
